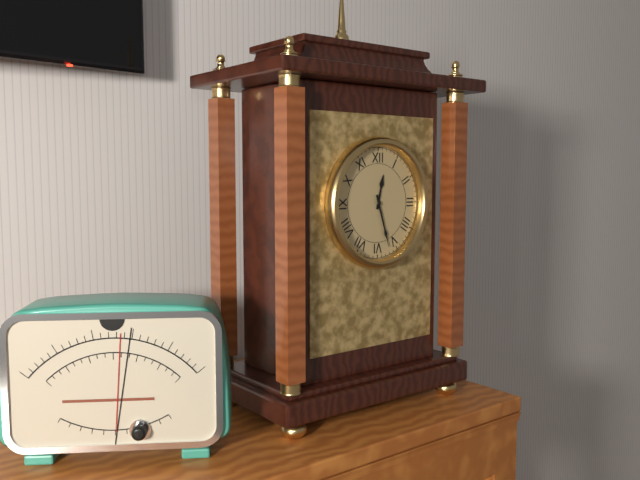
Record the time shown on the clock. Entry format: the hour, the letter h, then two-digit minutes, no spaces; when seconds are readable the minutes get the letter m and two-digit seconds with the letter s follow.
12h27
